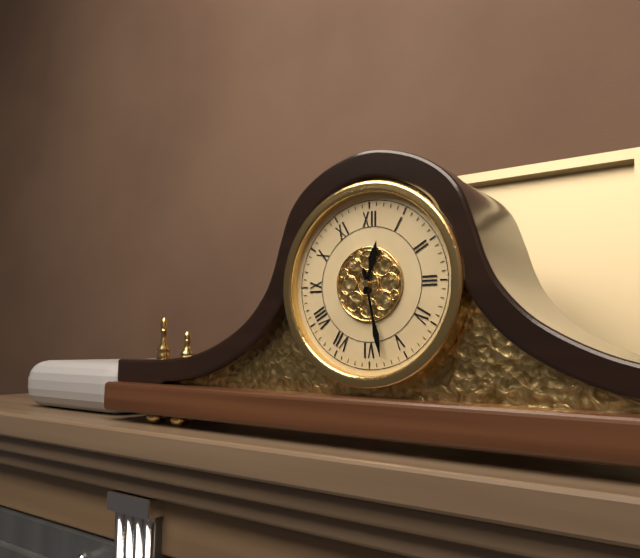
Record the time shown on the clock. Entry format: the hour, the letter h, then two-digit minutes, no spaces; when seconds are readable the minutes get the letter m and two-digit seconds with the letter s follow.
12h28
